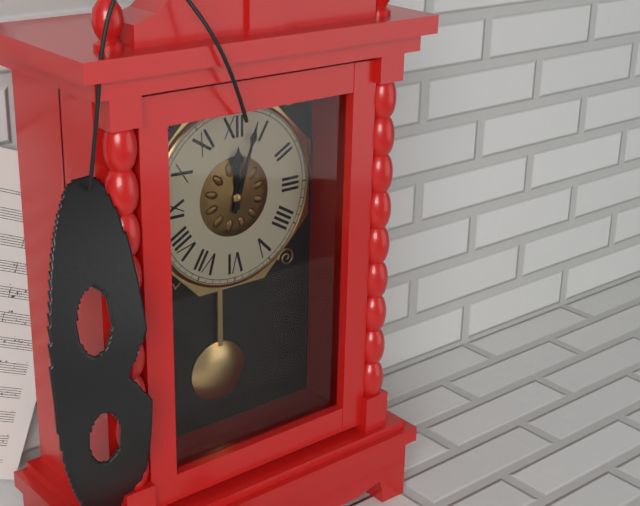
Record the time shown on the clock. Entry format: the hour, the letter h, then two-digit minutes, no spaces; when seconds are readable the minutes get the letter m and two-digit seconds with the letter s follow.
12h03
